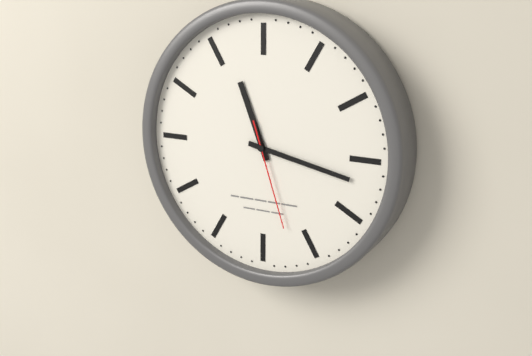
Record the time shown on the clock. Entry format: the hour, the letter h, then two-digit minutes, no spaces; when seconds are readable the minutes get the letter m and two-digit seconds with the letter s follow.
11h17m27s
